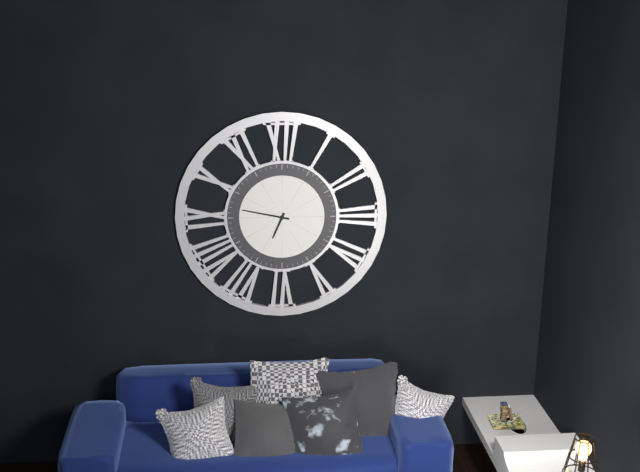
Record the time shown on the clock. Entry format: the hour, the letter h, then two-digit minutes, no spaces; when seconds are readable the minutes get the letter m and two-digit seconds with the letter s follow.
6h47
